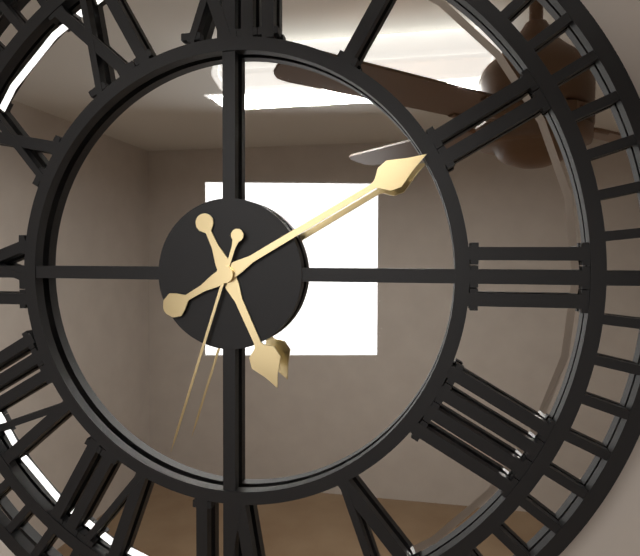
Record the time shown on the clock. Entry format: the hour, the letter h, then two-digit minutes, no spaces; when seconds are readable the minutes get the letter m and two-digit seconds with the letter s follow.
5h10m33s
